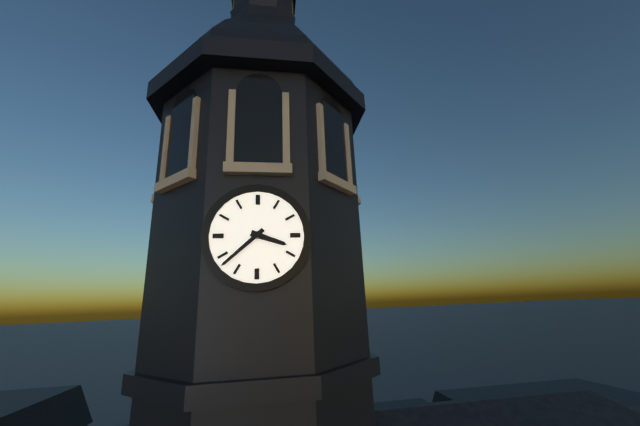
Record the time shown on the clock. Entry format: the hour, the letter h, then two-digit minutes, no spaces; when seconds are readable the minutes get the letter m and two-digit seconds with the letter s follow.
3h38
